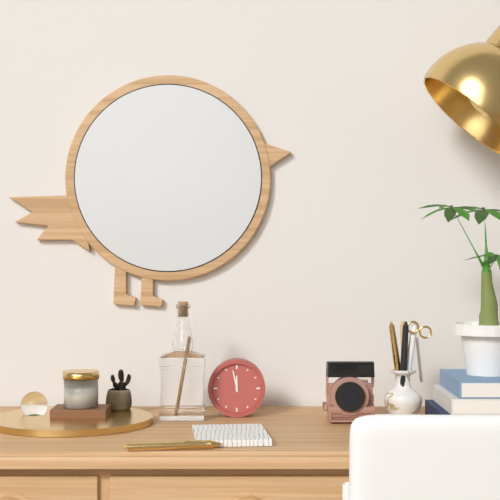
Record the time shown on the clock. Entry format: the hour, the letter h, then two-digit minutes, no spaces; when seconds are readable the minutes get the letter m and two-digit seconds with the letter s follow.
11h58
